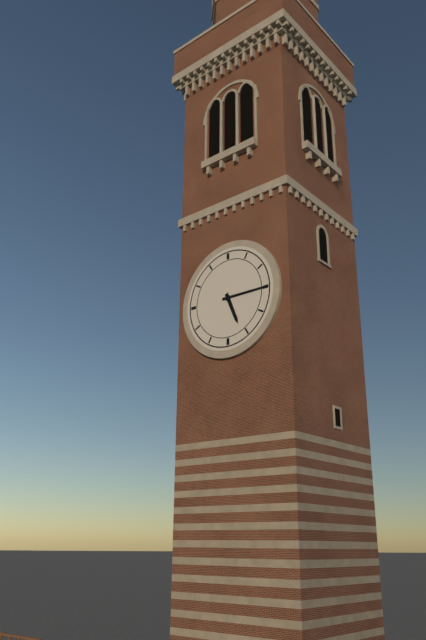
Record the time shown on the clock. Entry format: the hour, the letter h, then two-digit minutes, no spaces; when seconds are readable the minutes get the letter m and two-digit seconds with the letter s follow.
5h15
